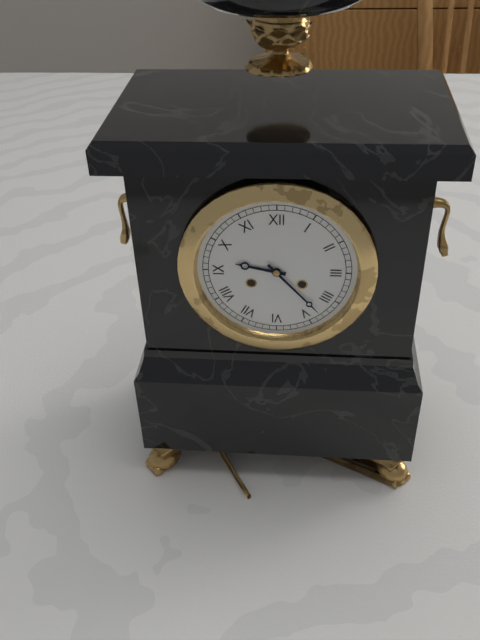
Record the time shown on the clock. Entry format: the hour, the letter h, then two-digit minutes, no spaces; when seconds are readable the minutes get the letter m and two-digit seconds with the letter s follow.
9h23
